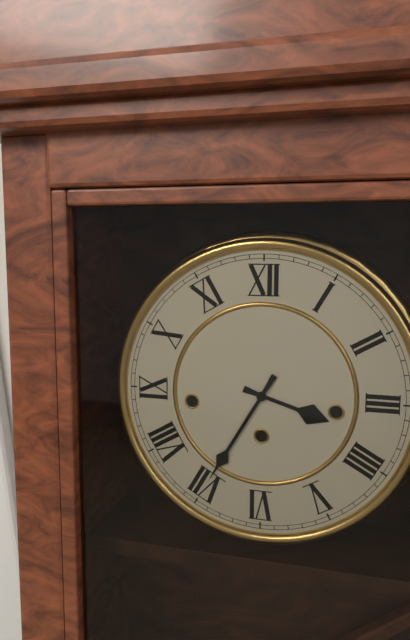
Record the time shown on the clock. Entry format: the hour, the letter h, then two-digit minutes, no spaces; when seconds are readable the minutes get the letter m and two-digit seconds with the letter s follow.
3h35
